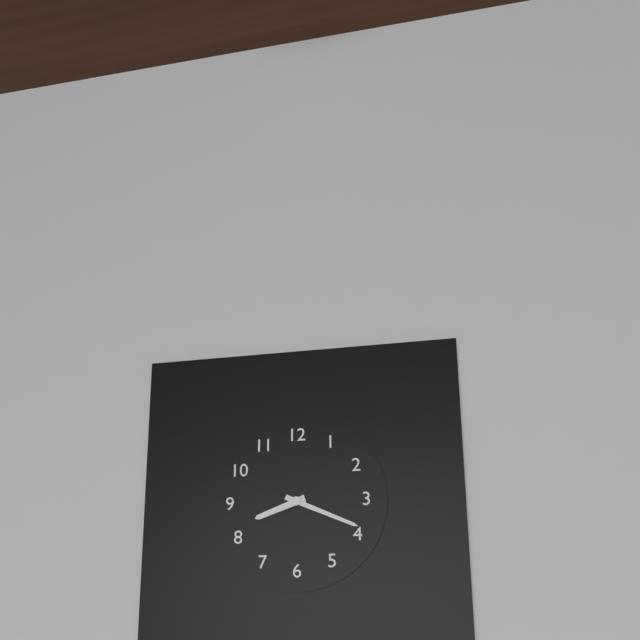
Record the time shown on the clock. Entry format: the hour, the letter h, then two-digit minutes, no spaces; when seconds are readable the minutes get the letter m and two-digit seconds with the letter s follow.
8h19
